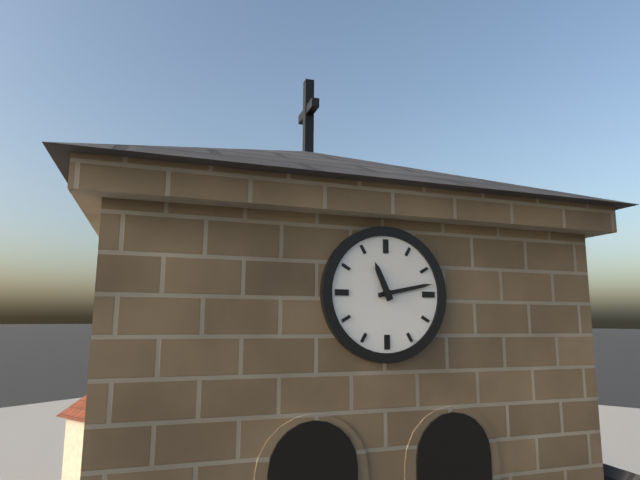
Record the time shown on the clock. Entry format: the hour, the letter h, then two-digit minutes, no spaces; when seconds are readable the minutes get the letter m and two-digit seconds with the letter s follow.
11h13
